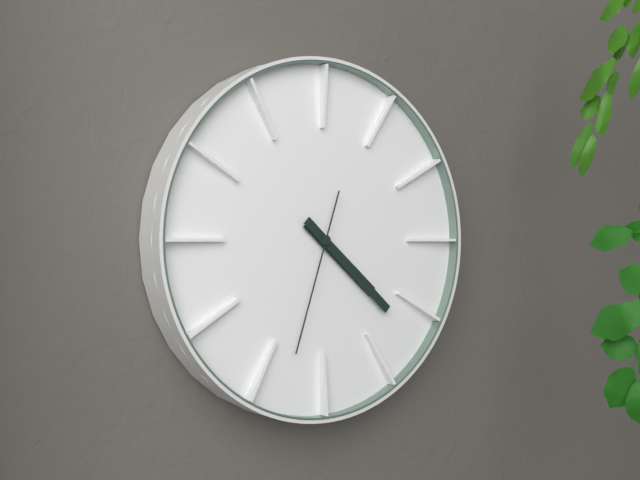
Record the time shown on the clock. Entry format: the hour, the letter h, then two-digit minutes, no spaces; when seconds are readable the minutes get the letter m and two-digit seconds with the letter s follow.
4h22m33s
